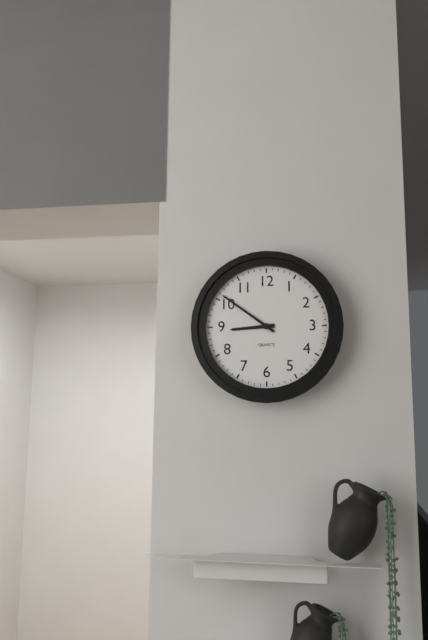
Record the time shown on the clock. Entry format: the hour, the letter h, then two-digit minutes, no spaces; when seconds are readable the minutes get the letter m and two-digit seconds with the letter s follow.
8h51
